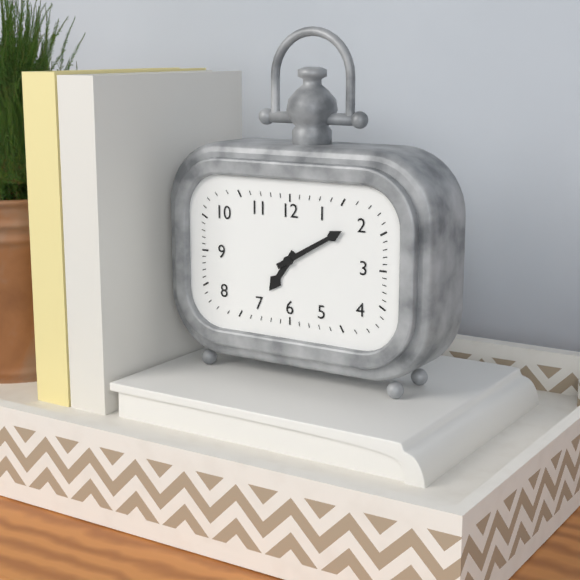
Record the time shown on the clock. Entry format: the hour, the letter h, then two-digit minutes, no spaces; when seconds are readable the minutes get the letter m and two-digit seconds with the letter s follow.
7h10
